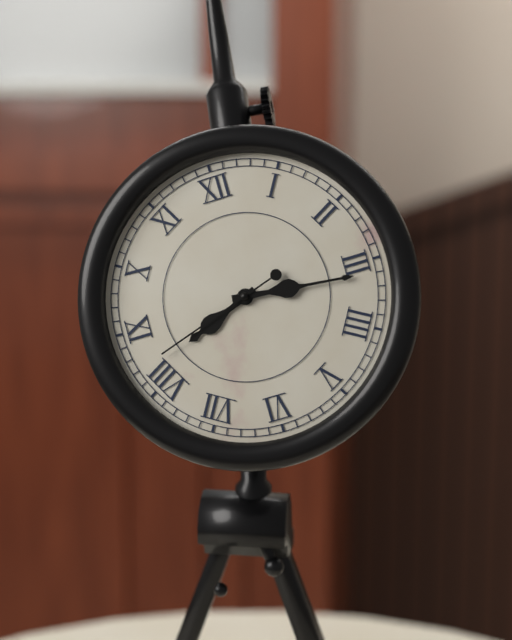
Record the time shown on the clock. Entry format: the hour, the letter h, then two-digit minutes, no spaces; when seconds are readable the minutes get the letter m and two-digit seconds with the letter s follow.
8h16m42s
